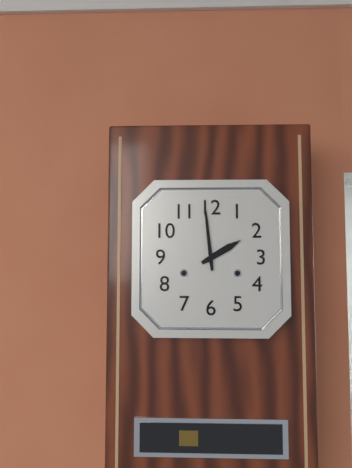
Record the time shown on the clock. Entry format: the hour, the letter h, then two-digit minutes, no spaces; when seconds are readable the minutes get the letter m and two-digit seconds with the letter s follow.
1h59
